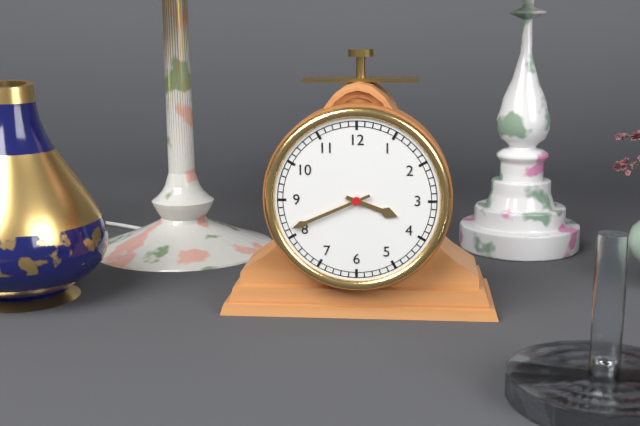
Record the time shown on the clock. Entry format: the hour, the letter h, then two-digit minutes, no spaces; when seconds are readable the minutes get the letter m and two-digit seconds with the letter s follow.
3h41
